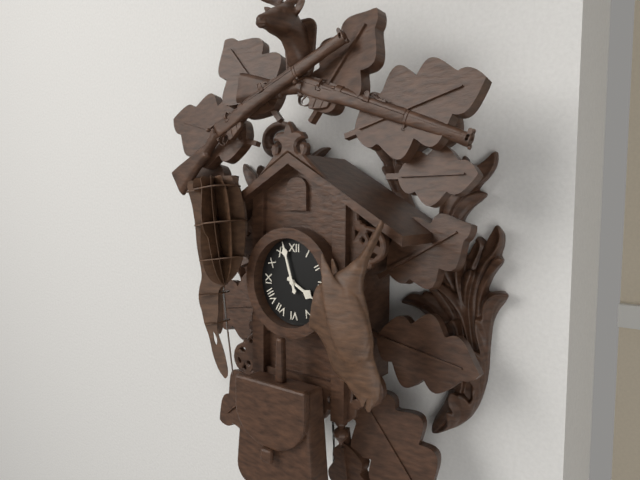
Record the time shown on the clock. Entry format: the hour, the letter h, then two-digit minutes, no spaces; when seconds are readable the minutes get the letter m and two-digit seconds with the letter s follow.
3h57
